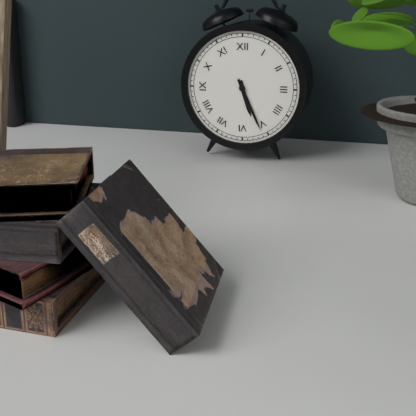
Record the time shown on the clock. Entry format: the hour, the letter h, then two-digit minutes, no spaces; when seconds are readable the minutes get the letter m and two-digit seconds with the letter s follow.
5h26
